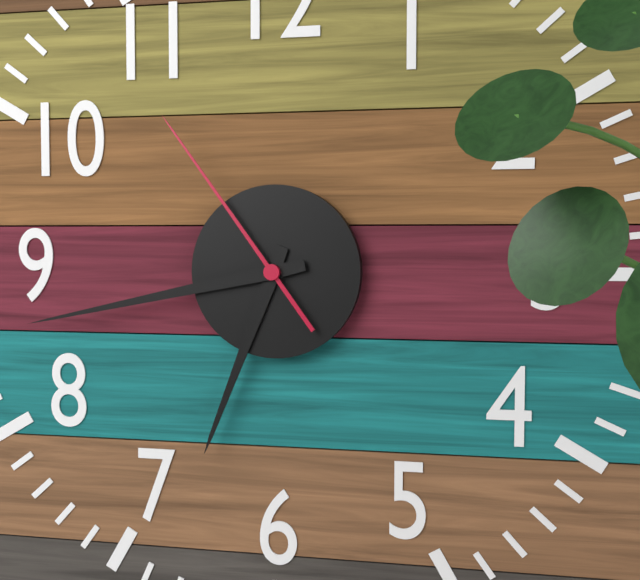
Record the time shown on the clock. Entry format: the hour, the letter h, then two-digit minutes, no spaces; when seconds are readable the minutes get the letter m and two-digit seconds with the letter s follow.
6h43m54s
